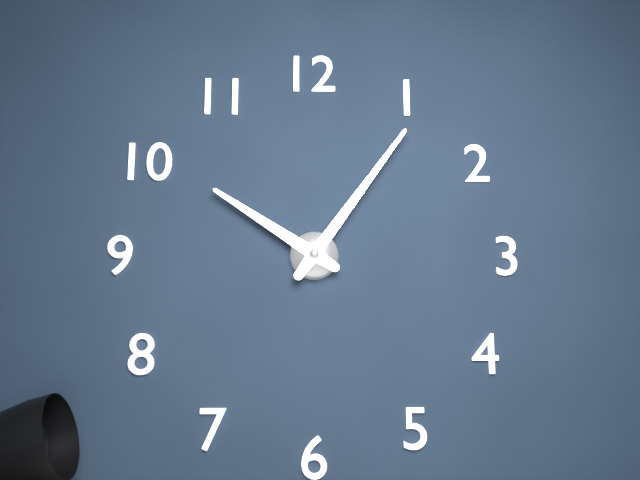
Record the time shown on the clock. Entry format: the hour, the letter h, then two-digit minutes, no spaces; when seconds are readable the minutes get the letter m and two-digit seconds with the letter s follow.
10h06
